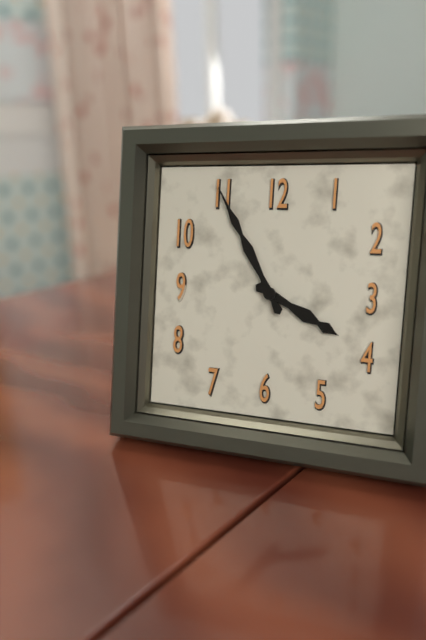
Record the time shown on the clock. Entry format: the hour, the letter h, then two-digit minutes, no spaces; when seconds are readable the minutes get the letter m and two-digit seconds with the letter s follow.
3h55
